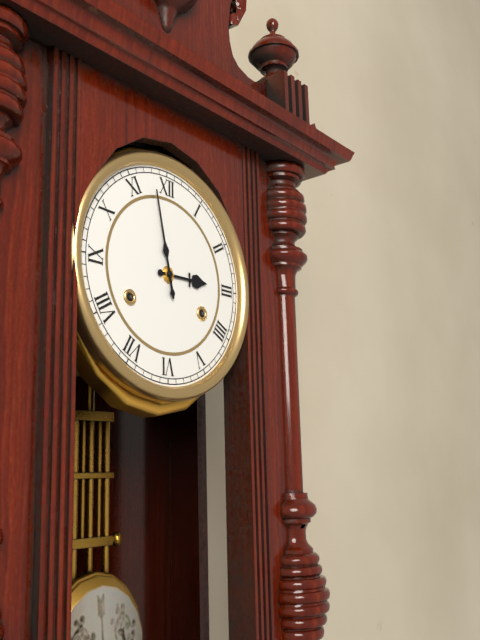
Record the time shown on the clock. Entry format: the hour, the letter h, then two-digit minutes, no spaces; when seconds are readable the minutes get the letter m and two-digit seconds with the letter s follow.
2h58
